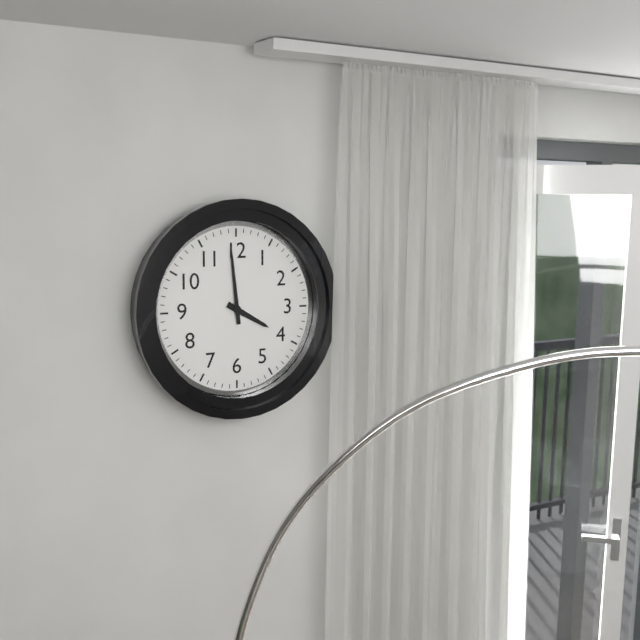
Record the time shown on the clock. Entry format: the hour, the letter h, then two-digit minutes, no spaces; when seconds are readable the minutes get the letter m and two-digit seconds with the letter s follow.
3h59
